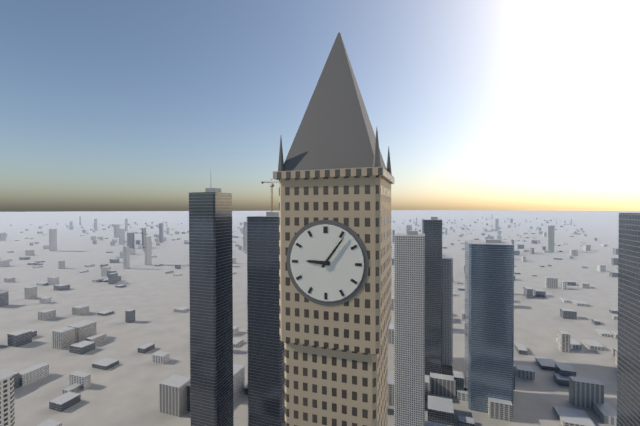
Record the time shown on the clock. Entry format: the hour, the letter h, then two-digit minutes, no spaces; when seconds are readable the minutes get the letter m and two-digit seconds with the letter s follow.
9h06
